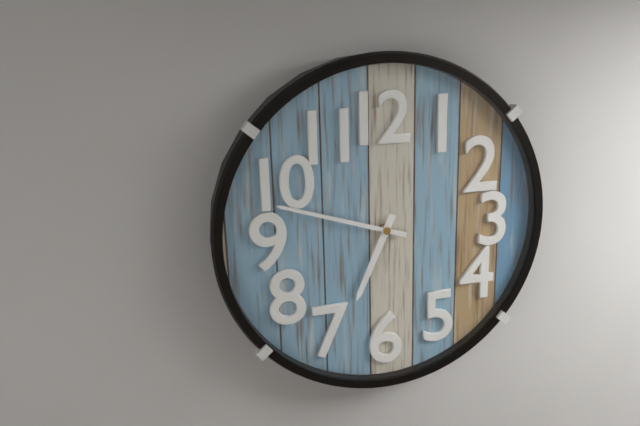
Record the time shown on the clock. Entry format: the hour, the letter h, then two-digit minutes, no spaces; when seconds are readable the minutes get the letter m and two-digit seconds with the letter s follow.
6h48
